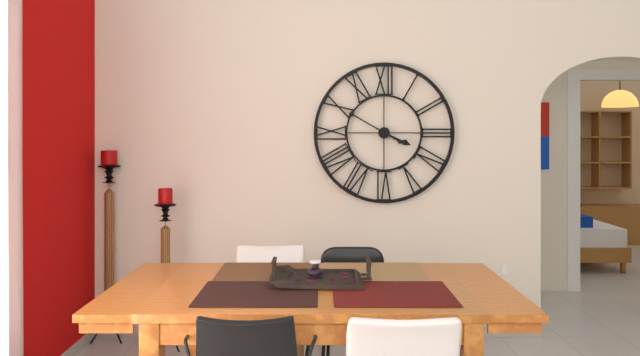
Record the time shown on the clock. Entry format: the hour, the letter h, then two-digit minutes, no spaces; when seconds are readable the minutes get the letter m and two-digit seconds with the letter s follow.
3h50
